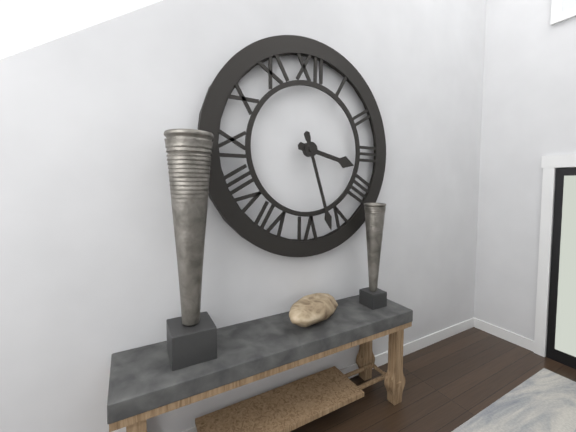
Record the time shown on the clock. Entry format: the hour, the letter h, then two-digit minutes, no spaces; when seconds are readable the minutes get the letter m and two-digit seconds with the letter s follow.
3h27
